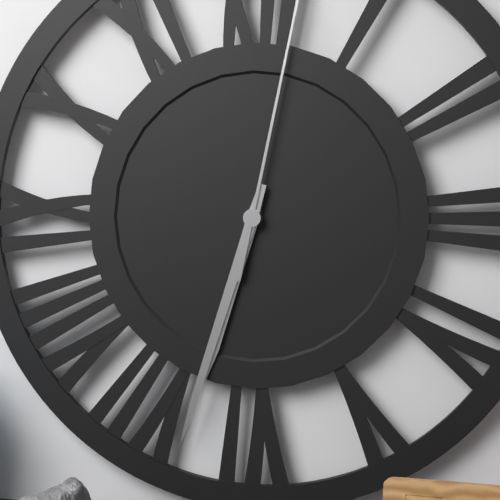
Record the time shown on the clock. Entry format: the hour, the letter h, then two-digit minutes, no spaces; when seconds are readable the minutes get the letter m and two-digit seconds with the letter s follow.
6h33
